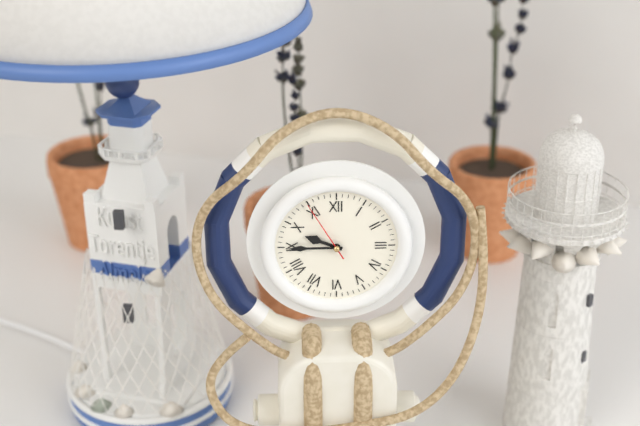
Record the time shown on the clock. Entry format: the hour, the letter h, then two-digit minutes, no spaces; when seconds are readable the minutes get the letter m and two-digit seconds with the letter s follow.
9h45m55s
